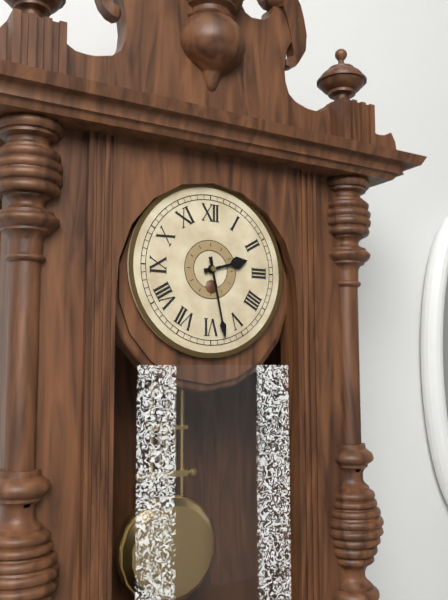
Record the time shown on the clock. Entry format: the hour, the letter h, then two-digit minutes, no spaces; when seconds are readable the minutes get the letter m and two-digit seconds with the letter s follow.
2h28
